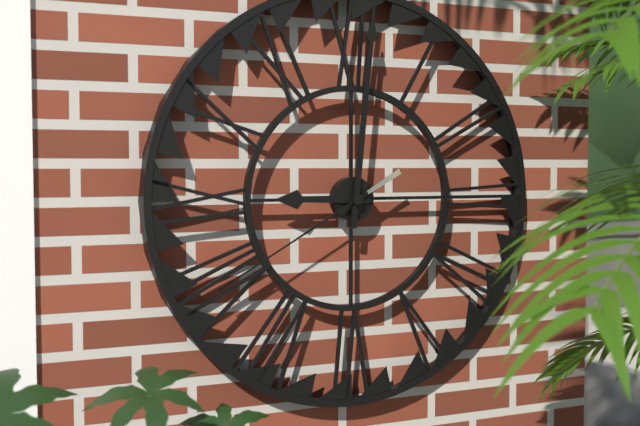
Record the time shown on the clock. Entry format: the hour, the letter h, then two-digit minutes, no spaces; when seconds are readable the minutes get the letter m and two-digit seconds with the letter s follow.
9h01m40s
